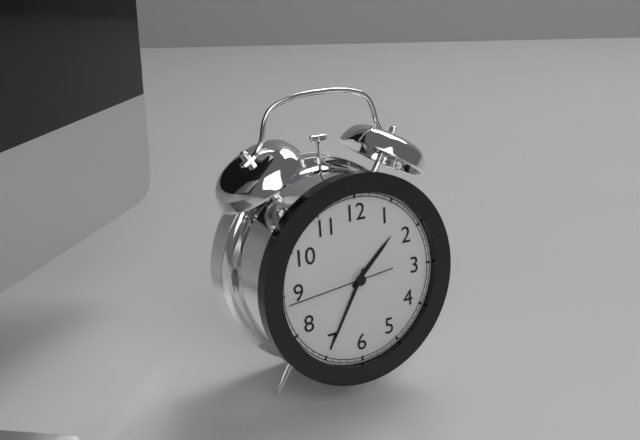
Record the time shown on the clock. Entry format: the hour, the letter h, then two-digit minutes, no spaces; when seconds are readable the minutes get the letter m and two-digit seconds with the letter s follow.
1h35m44s
